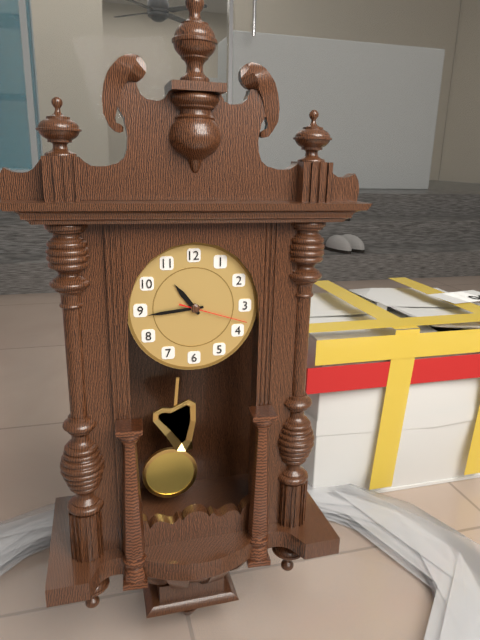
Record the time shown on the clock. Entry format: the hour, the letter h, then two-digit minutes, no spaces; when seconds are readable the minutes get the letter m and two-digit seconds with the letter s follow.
10h44m18s
